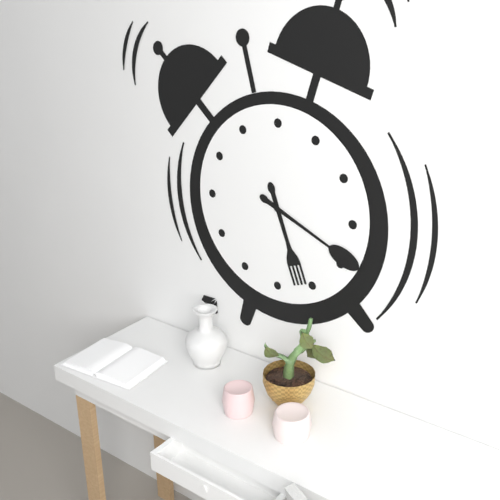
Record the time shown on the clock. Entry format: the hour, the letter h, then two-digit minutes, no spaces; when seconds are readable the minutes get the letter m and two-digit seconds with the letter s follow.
5h19
